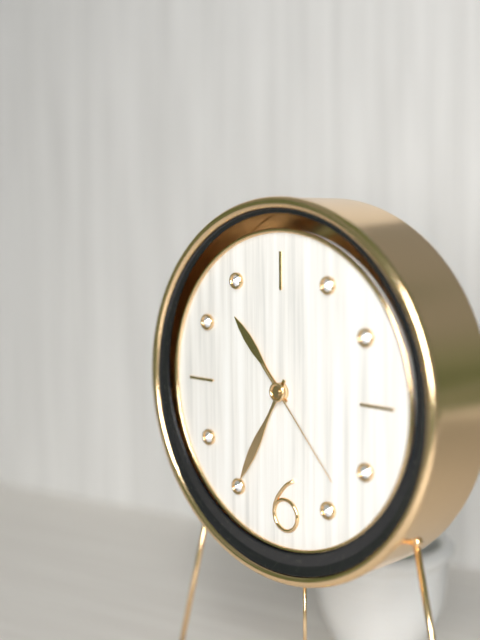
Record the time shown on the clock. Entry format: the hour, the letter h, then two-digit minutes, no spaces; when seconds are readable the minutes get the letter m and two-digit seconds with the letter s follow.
10h35m23s
